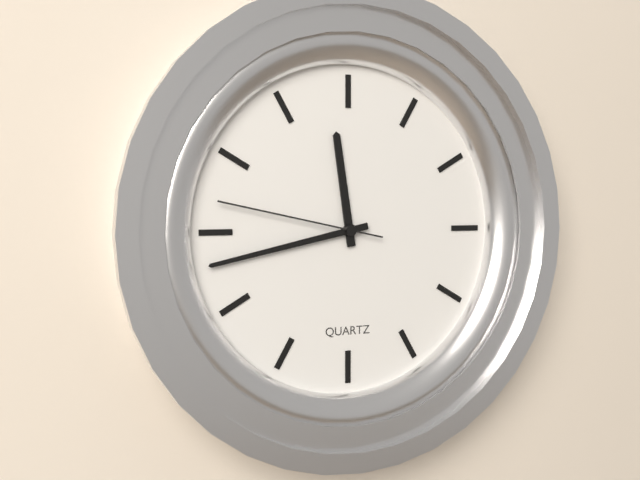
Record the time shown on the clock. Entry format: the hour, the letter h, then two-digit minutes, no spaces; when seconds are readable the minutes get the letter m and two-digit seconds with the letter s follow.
11h43m47s
